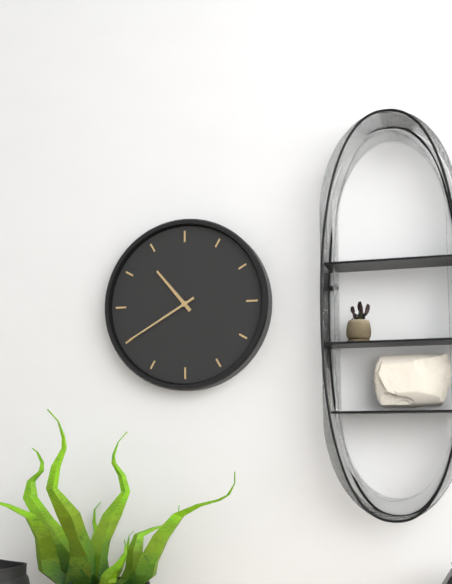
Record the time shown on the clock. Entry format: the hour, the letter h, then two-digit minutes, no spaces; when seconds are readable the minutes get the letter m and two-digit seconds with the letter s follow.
10h40
